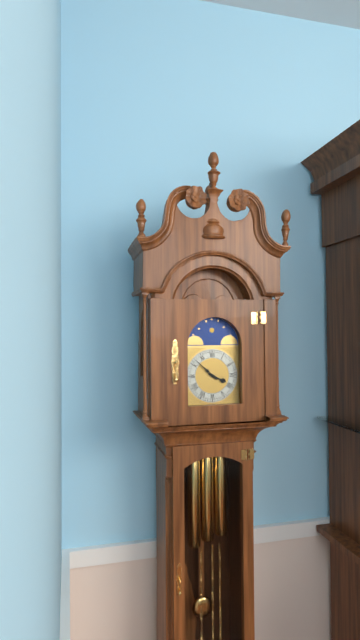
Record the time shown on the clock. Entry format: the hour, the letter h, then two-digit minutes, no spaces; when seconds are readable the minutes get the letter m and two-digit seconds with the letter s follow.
3h52
